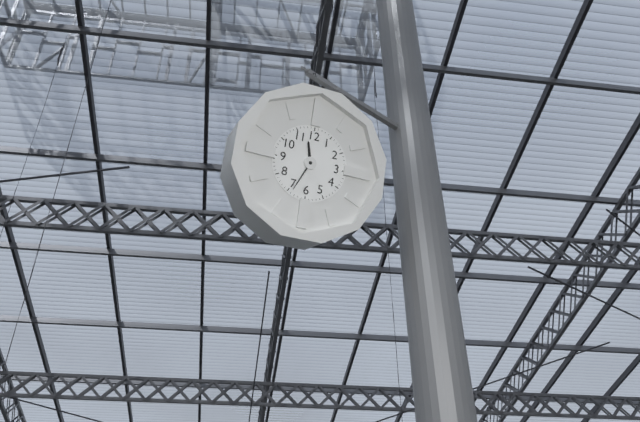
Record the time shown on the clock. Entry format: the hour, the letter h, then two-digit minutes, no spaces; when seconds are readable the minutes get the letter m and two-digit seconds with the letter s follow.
11h34
